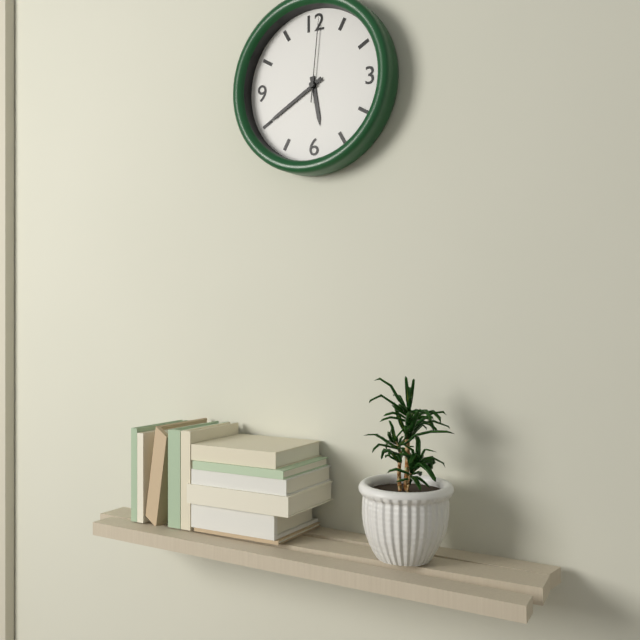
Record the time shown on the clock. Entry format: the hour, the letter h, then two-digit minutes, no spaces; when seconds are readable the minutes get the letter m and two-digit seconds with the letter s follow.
5h40m01s
